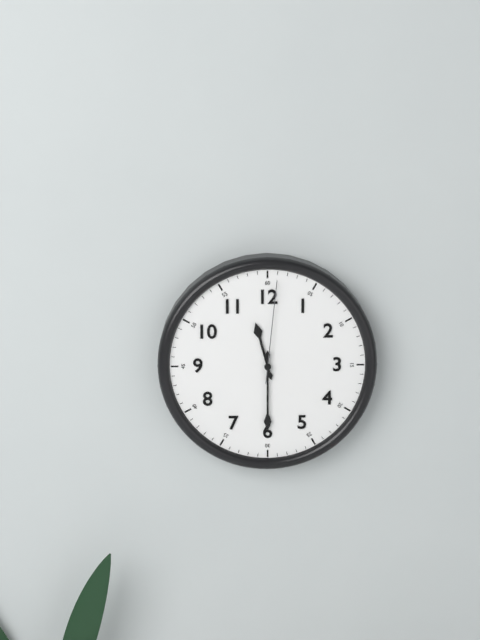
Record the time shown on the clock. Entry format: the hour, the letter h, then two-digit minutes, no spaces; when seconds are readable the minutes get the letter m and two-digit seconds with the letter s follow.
11h30m01s
